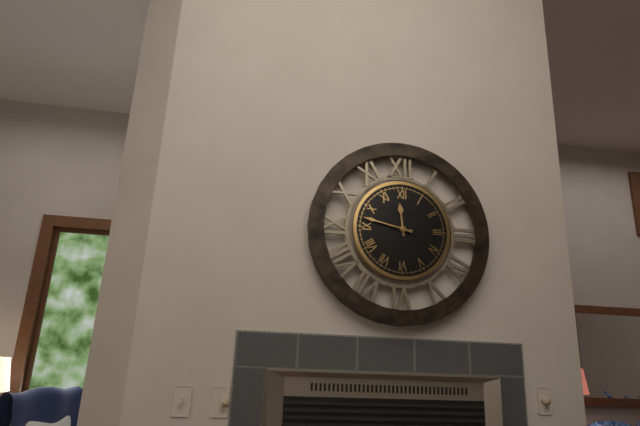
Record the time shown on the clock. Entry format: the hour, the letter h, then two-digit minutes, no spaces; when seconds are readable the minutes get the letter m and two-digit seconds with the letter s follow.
11h47
